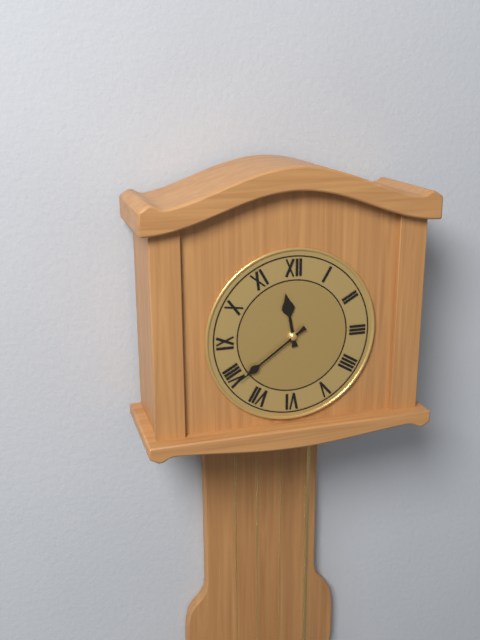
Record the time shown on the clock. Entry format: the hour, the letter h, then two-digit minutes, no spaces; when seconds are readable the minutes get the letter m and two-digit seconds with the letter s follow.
11h39
